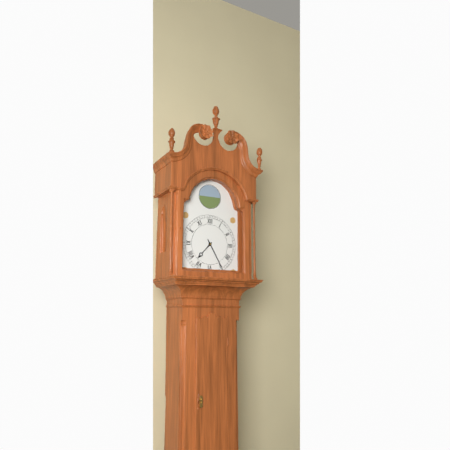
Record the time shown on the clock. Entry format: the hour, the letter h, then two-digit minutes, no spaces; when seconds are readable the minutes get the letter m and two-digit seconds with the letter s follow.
7h25
